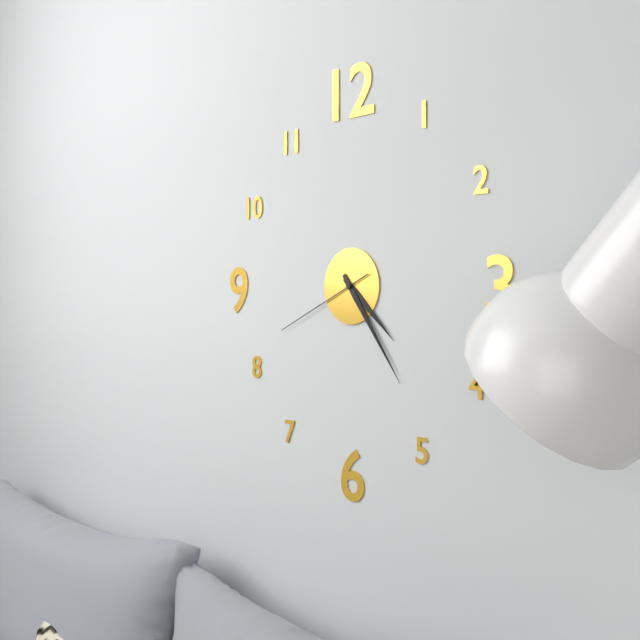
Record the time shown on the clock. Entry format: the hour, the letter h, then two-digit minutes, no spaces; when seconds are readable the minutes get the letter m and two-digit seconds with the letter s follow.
4h24m41s
